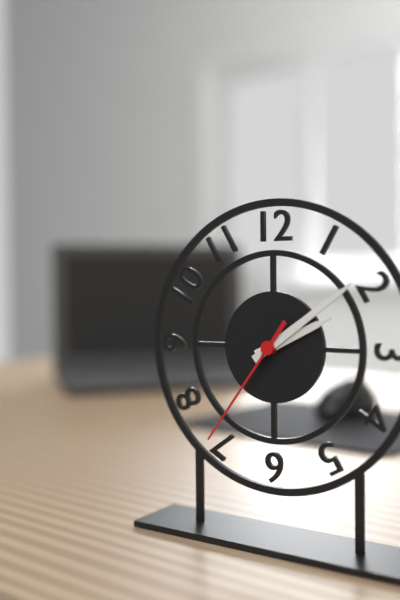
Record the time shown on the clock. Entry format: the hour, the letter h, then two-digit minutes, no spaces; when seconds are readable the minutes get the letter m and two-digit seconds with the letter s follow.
2h09m36s
